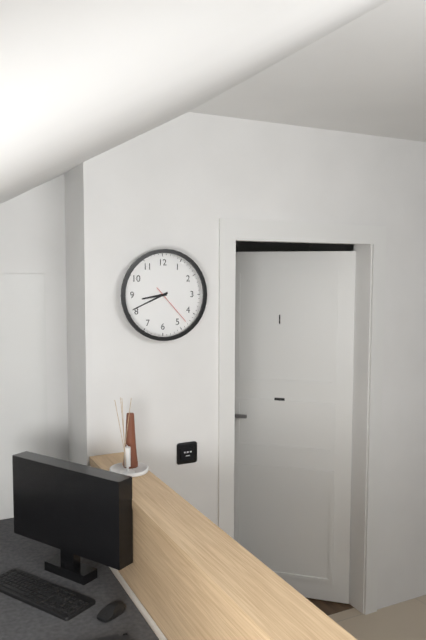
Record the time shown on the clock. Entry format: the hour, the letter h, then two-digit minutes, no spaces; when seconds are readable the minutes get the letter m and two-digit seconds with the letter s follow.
8h41
